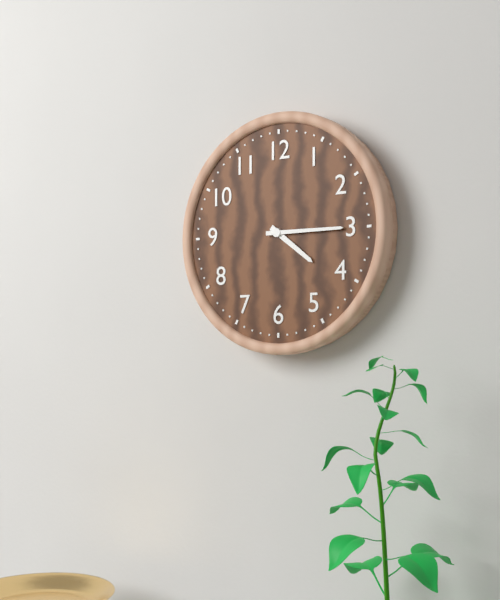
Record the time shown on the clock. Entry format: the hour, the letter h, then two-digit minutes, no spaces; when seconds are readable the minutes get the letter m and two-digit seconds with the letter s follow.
4h15
